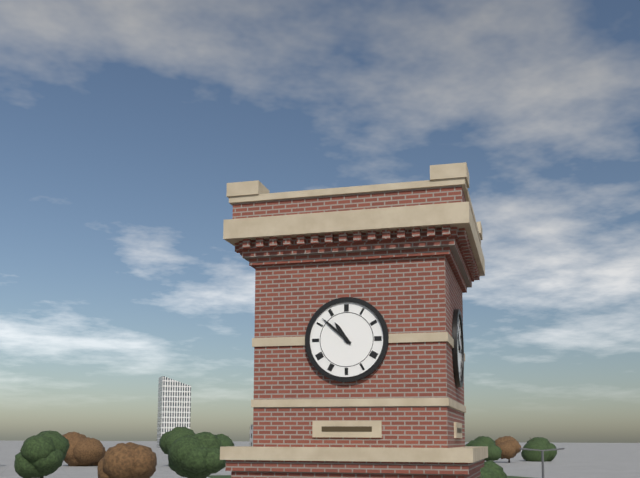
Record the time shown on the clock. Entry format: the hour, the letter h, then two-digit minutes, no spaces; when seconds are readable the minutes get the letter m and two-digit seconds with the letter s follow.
10h52
